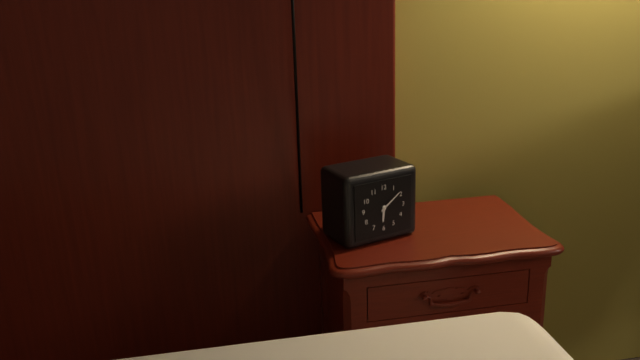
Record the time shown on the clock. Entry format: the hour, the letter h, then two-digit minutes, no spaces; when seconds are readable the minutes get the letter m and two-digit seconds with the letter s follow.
6h09
